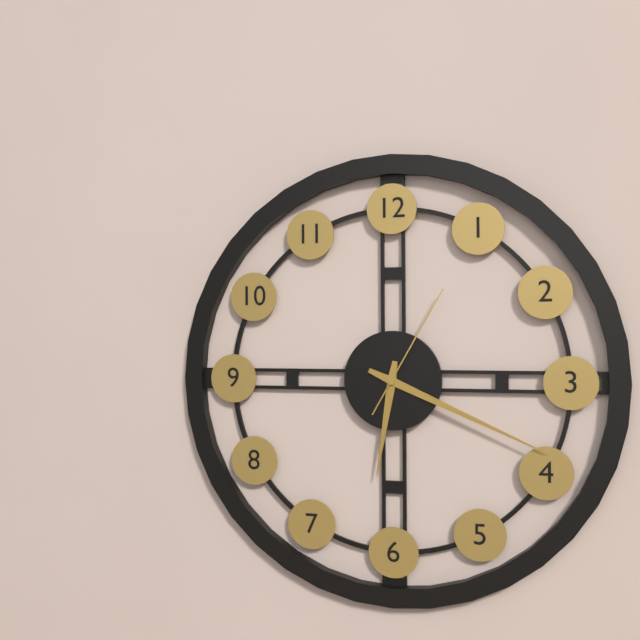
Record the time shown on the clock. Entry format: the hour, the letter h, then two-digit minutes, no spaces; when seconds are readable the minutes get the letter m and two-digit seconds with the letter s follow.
6h19m05s
